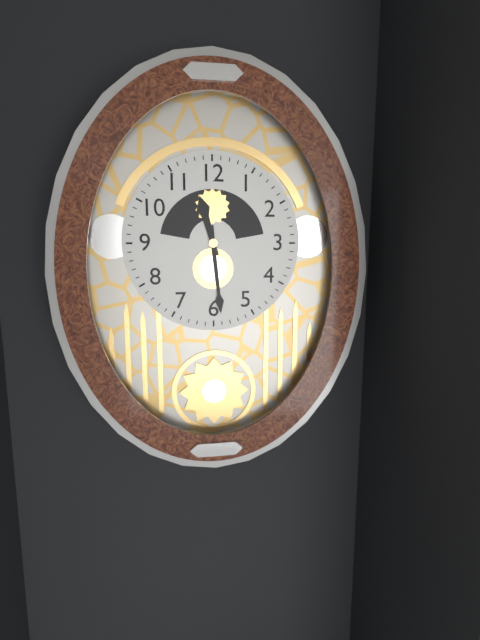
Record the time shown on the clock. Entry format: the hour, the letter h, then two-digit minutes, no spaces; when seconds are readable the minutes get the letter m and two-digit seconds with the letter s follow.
11h29
